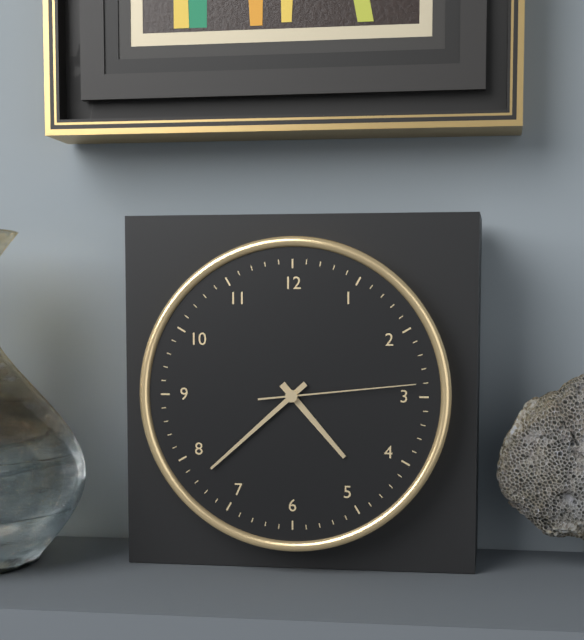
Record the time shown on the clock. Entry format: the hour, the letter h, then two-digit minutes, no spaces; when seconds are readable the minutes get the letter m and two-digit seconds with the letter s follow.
4h38m14s
